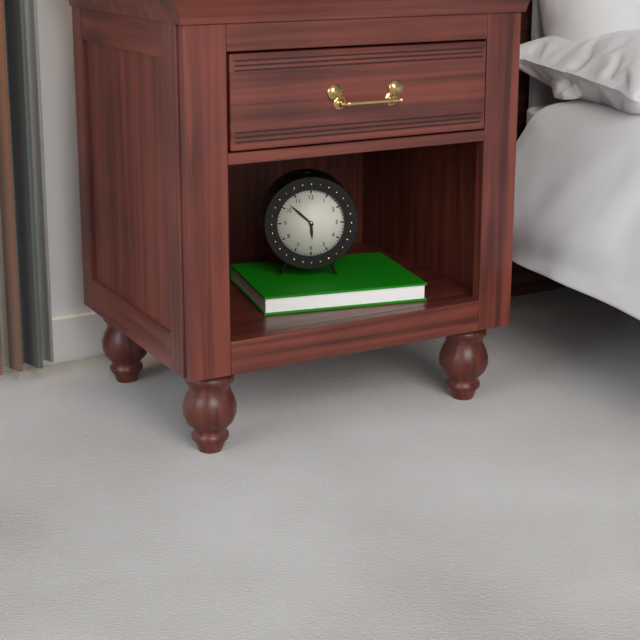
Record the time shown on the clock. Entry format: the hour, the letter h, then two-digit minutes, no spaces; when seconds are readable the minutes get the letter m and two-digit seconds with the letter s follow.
5h52
